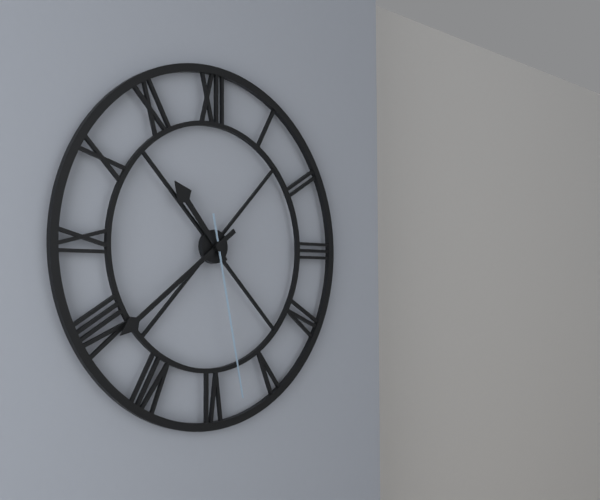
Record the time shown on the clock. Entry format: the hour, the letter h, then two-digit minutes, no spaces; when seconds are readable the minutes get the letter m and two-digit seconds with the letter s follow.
10h39m28s
